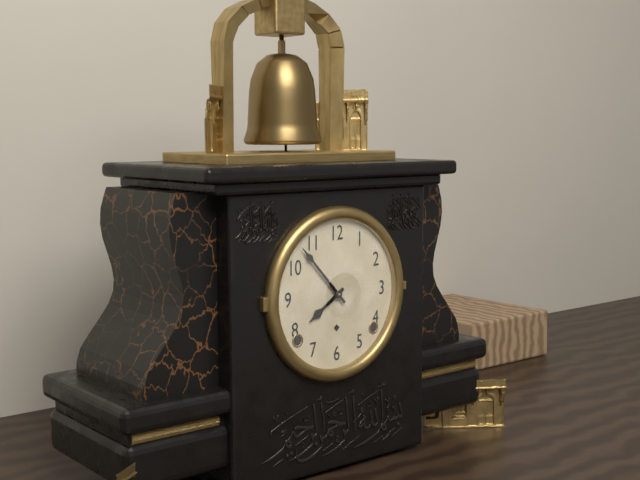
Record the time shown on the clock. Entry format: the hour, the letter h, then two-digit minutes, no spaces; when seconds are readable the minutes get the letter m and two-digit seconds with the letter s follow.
7h53
